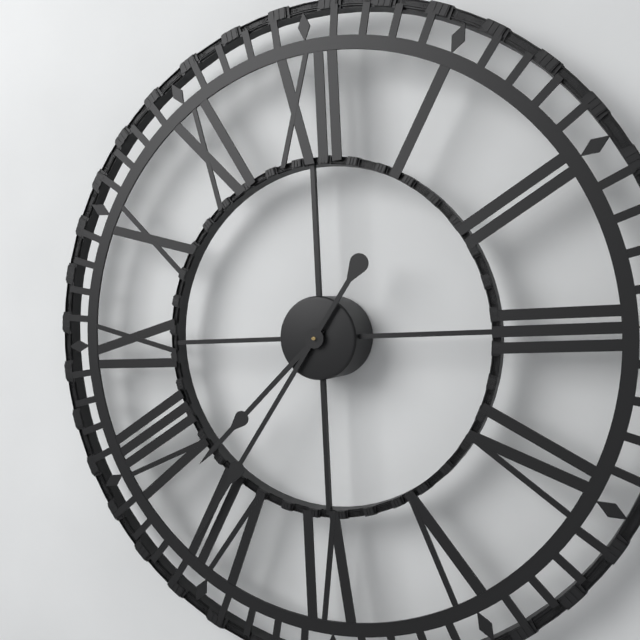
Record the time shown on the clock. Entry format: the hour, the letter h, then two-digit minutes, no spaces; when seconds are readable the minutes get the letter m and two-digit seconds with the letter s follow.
7h36
